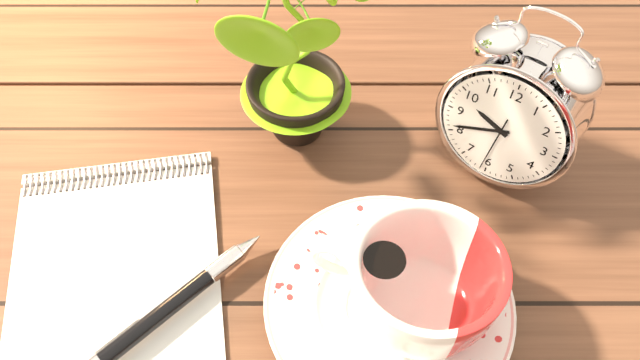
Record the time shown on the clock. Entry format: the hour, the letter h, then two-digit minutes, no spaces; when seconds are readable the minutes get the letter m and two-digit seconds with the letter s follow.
9h41m31s
